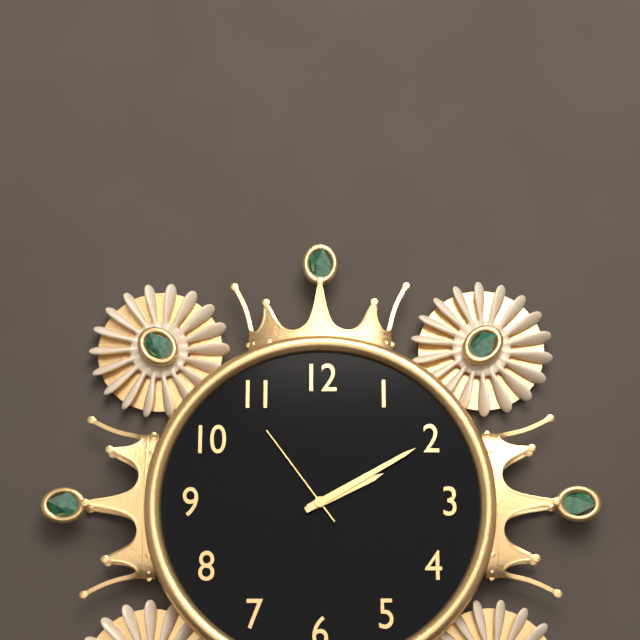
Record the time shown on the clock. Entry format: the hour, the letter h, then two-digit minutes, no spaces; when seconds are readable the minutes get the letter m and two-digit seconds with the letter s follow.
2h10m54s
